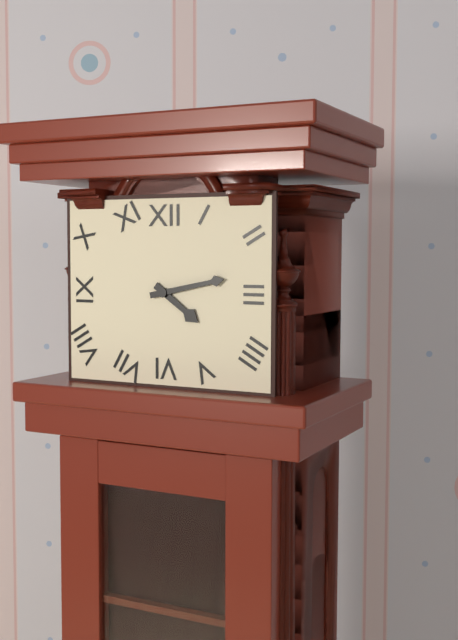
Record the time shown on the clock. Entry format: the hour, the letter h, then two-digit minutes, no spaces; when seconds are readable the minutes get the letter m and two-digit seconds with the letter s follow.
4h13
